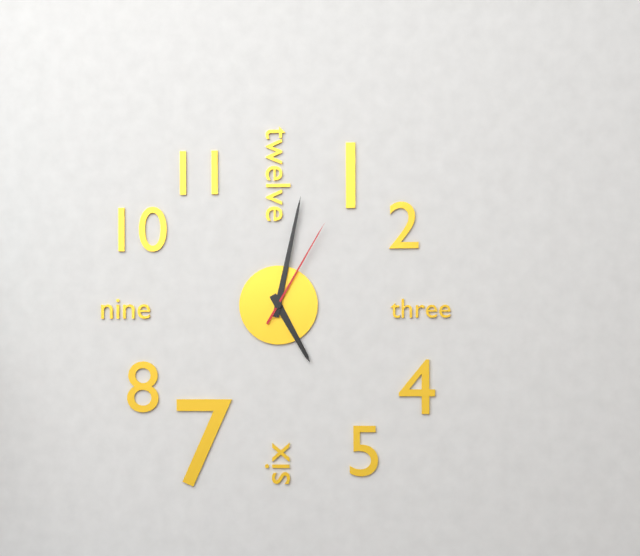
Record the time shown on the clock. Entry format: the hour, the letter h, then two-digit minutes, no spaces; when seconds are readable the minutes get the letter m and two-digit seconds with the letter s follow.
5h02m05s
